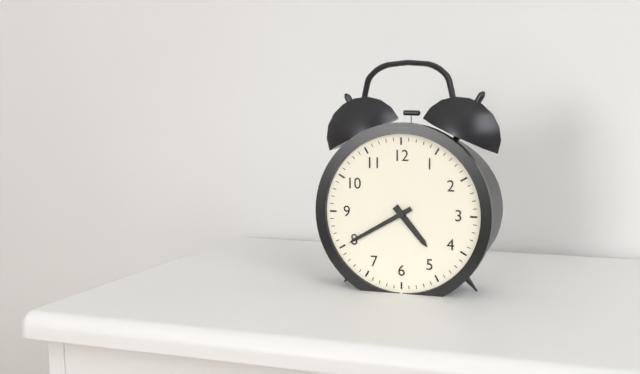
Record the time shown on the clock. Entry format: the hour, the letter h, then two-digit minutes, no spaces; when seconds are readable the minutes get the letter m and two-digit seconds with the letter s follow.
4h40
